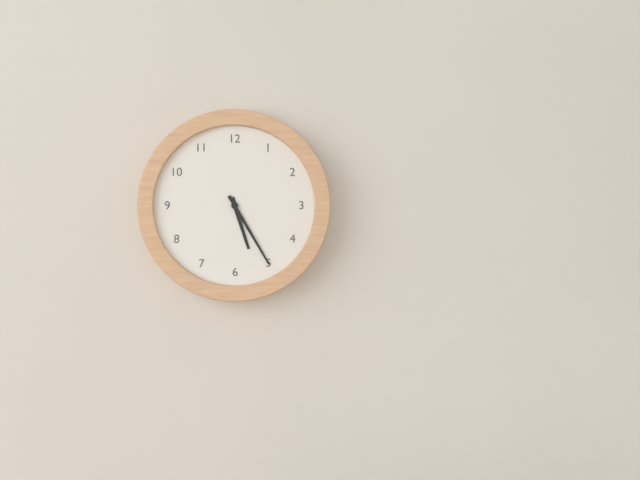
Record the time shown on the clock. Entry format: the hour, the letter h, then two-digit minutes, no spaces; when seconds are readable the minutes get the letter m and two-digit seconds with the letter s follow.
5h25
